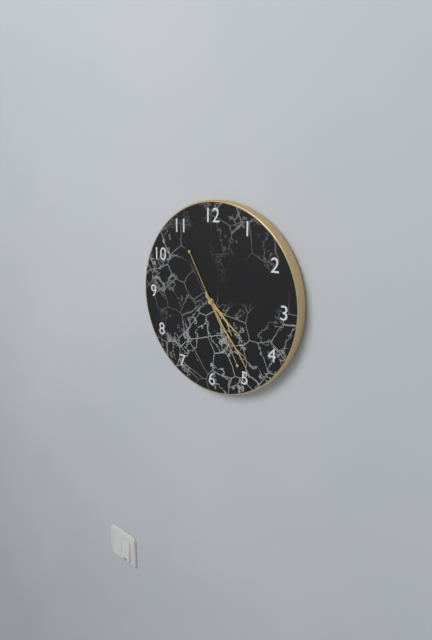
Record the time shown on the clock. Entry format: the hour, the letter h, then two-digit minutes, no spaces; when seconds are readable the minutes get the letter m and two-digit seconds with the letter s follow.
4h24m25s
